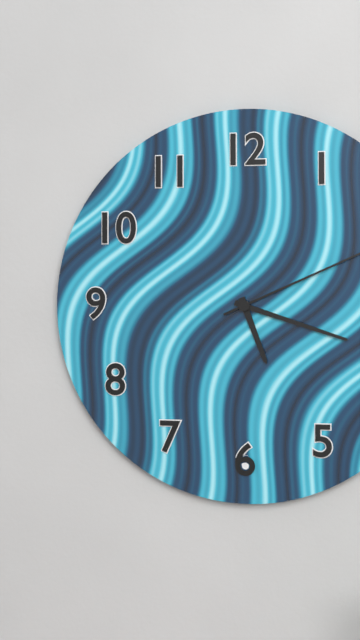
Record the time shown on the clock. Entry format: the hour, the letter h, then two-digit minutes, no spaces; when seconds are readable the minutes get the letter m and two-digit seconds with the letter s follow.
5h18
